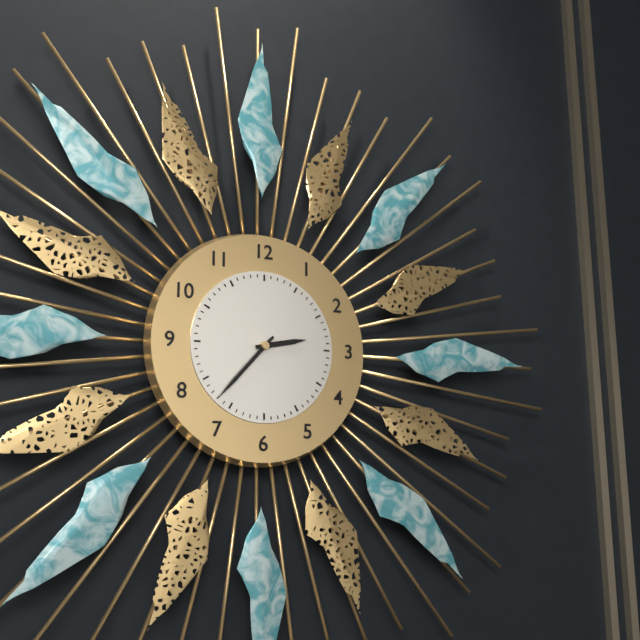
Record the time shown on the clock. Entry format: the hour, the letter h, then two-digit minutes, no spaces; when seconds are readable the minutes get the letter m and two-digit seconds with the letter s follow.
2h37
